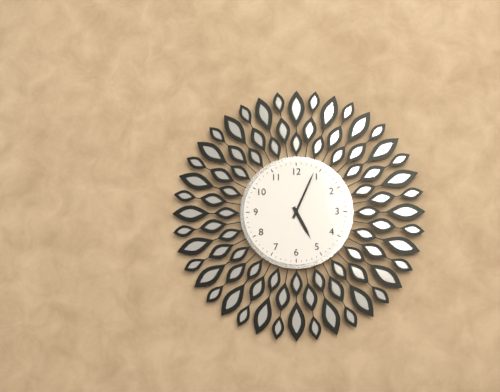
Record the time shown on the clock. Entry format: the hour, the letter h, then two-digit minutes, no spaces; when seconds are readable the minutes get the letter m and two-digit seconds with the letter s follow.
5h04
